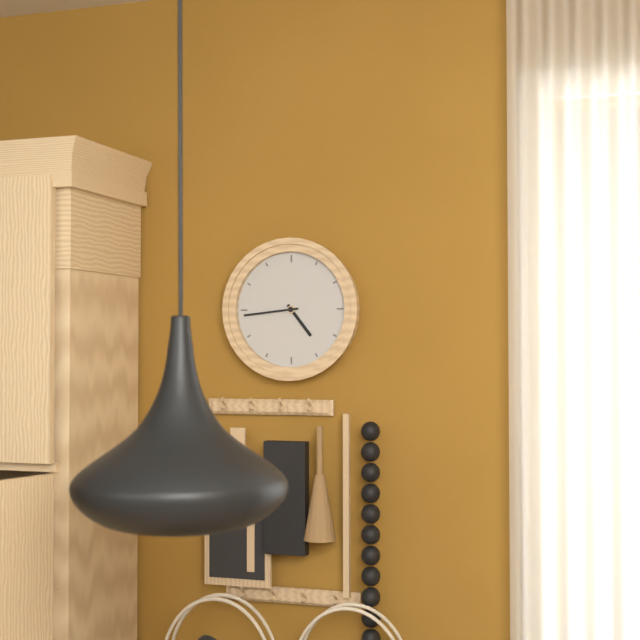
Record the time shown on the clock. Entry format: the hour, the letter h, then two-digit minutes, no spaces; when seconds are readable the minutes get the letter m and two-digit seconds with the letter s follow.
4h44
